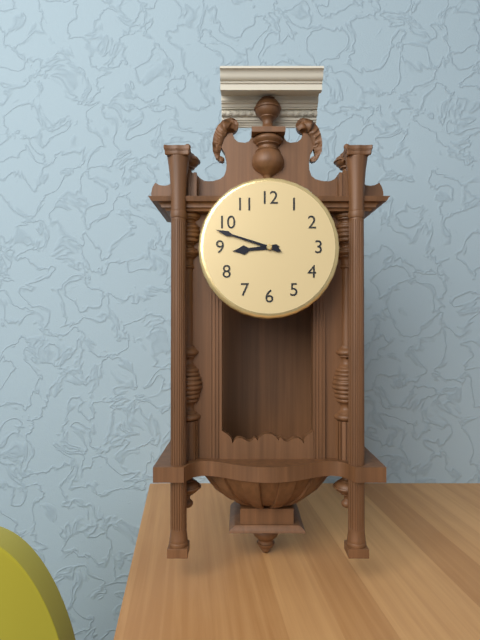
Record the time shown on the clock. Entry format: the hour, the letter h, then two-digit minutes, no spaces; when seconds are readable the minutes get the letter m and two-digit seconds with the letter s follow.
8h48
